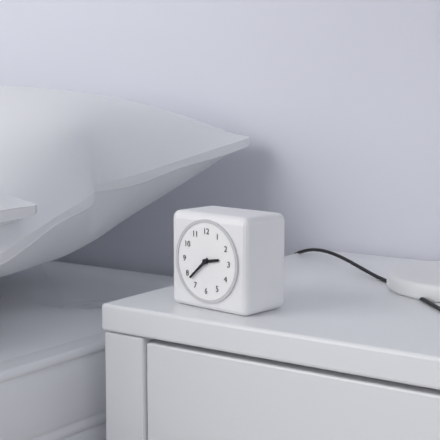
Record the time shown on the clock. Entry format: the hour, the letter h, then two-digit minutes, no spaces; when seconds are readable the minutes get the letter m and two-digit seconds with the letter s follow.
2h38
